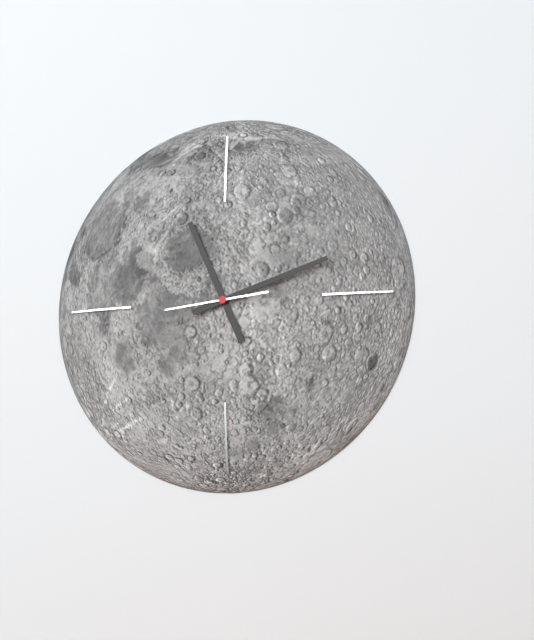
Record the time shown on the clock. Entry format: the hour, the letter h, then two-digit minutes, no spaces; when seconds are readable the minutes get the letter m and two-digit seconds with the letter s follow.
11h12m44s
